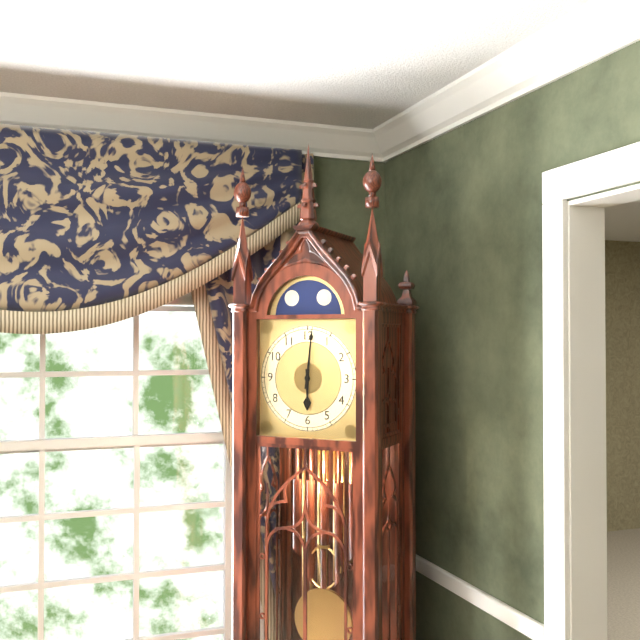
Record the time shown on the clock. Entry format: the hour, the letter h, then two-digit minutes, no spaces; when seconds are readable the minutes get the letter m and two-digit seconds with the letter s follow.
6h01
